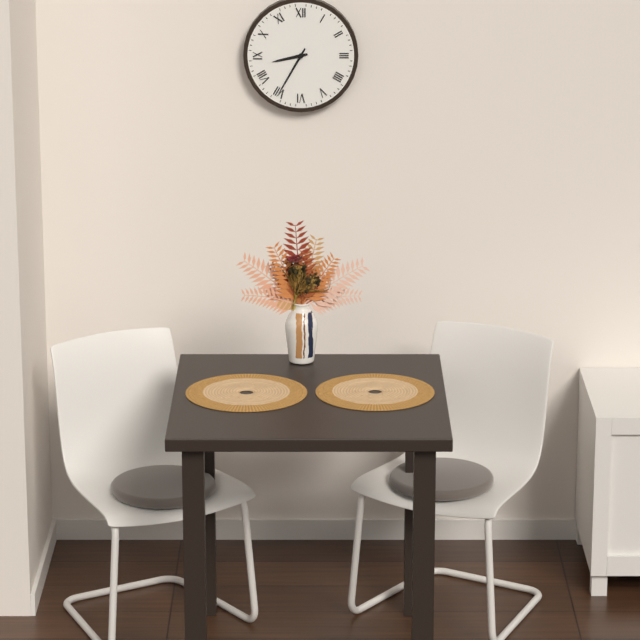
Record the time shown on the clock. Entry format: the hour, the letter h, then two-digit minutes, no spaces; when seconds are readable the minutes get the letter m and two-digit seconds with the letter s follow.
8h35
